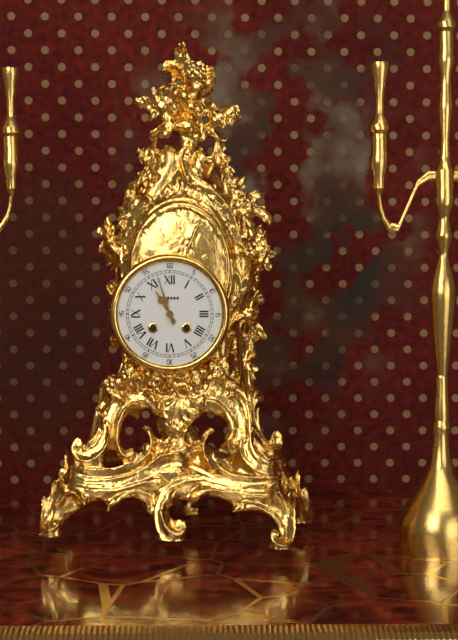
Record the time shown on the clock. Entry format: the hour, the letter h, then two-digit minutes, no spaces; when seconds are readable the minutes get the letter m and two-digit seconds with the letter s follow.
10h57
